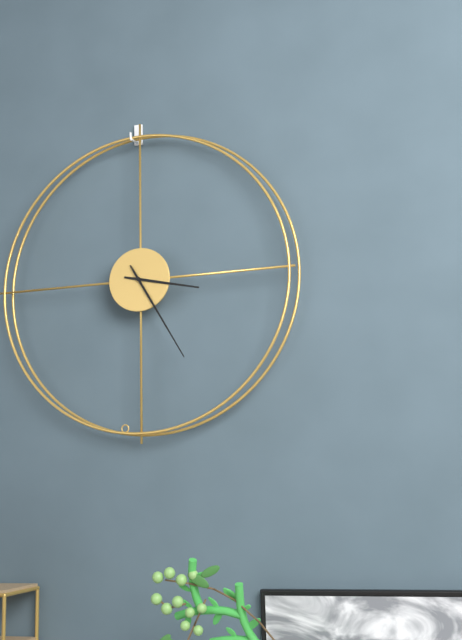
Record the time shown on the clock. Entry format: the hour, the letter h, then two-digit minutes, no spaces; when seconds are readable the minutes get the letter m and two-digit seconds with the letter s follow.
3h25
